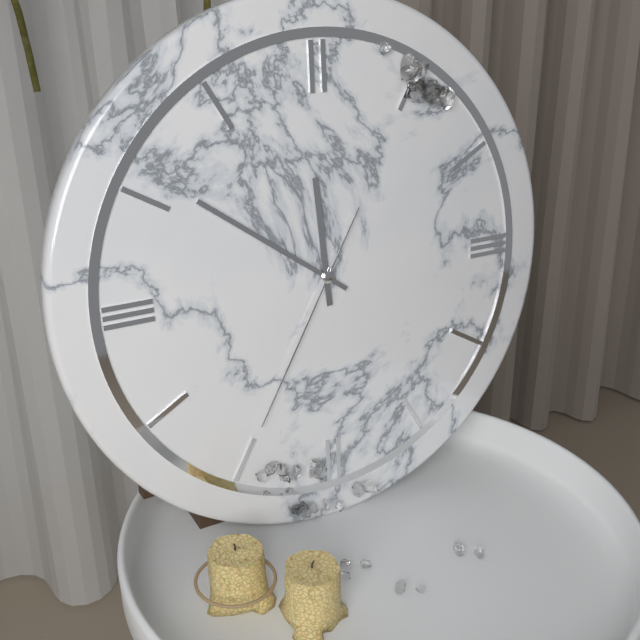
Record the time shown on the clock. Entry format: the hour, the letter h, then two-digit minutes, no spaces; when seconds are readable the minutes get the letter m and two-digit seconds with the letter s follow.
11h51m35s
